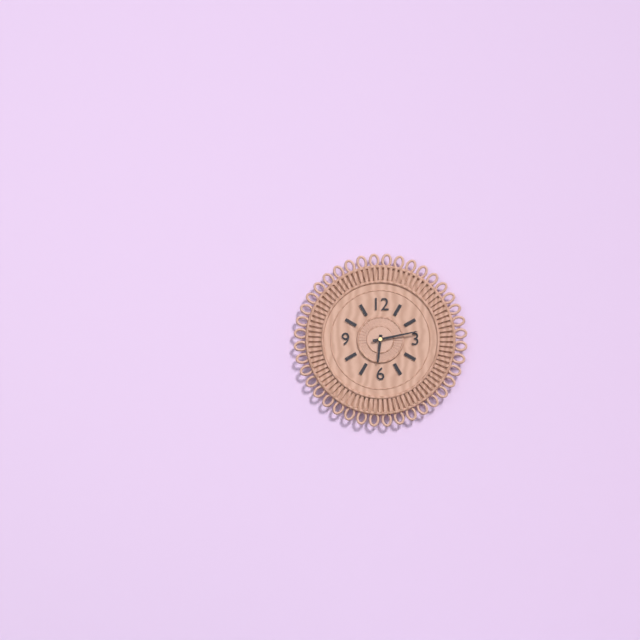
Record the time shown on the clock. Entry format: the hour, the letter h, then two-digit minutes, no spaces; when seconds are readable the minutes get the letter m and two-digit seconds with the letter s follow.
6h13
